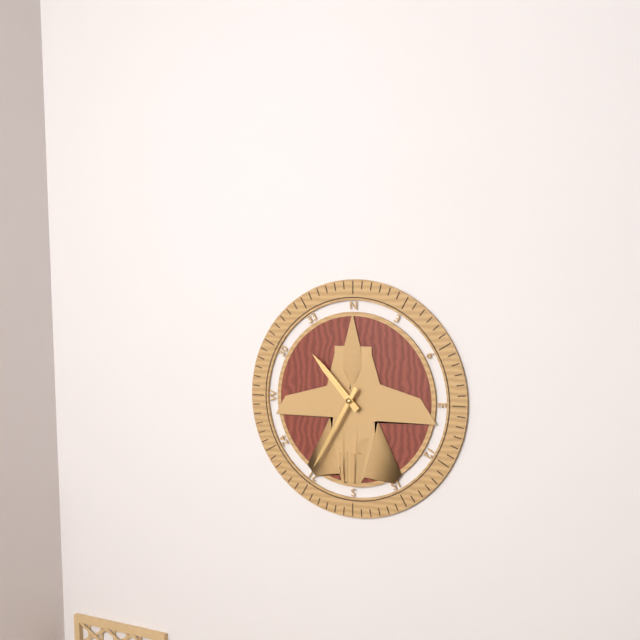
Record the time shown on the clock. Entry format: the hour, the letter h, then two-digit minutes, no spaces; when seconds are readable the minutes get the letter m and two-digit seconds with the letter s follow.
10h35
